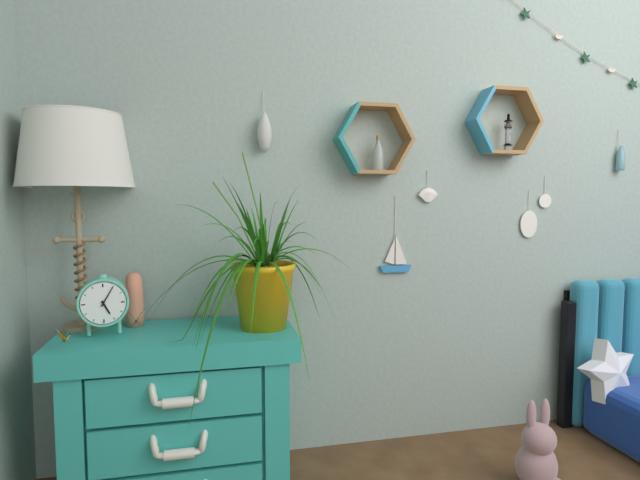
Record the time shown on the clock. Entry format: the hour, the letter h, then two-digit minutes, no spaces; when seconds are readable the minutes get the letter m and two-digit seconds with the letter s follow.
5h05
